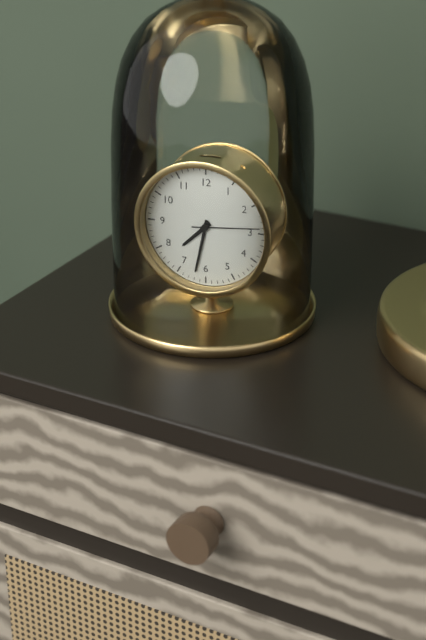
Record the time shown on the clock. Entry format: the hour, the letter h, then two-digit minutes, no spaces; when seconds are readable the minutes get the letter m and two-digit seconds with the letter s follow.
7h32m14s
